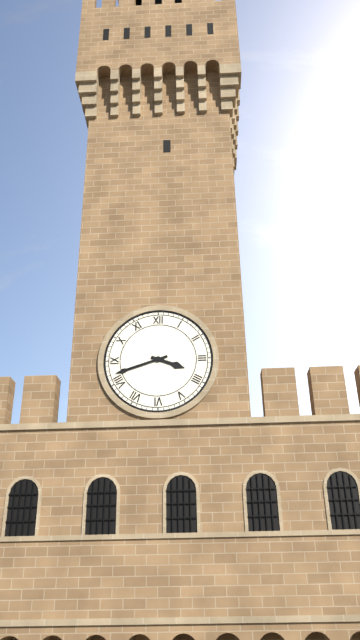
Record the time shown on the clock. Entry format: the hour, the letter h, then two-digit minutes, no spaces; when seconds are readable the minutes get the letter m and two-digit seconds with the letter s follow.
3h42
